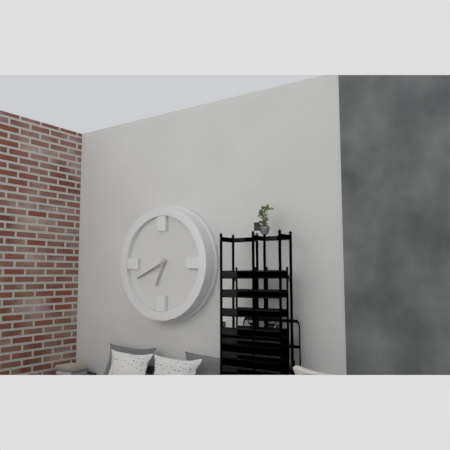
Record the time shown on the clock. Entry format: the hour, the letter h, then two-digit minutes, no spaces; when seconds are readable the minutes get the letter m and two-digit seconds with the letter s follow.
6h41
